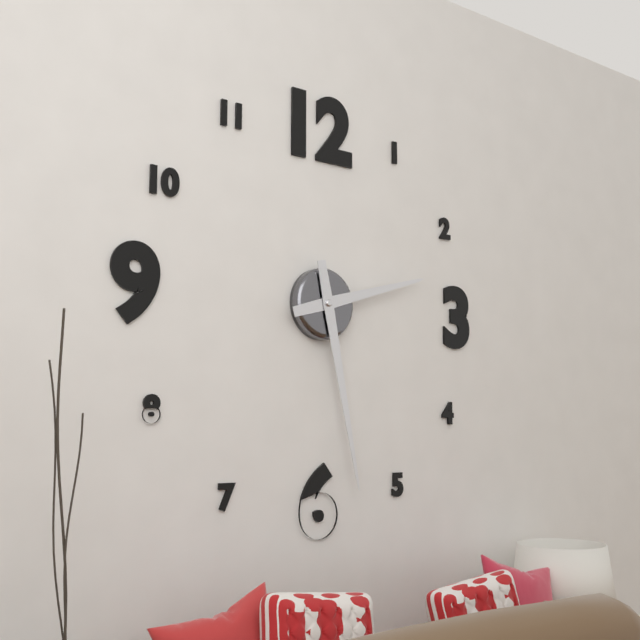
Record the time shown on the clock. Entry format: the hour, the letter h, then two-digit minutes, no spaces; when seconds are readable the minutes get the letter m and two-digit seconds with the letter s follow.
2h28
